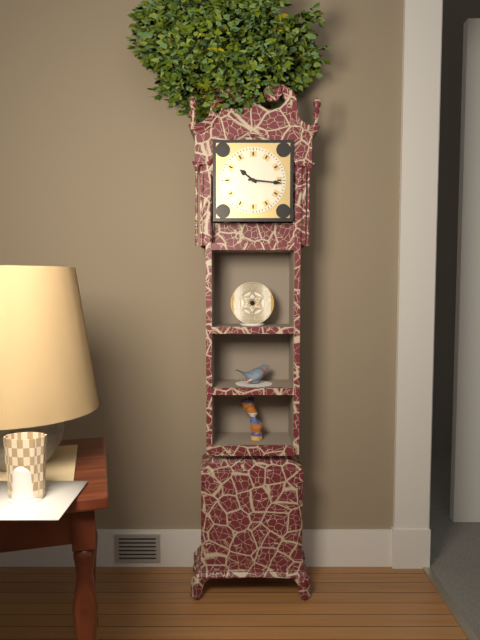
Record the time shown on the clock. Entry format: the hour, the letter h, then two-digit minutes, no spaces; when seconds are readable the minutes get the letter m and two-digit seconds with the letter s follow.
10h16
